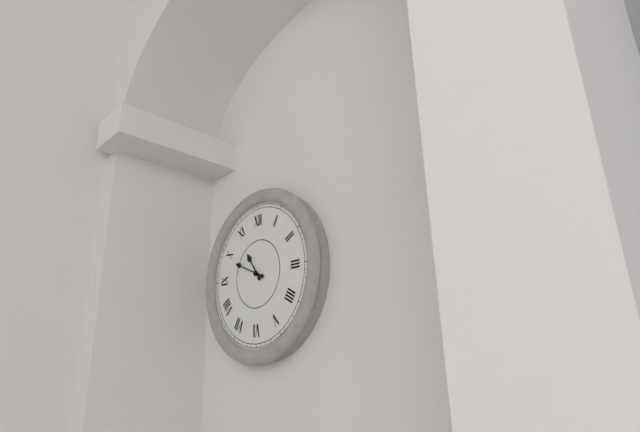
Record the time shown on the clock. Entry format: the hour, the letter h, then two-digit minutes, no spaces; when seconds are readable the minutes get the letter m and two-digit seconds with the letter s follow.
10h49
